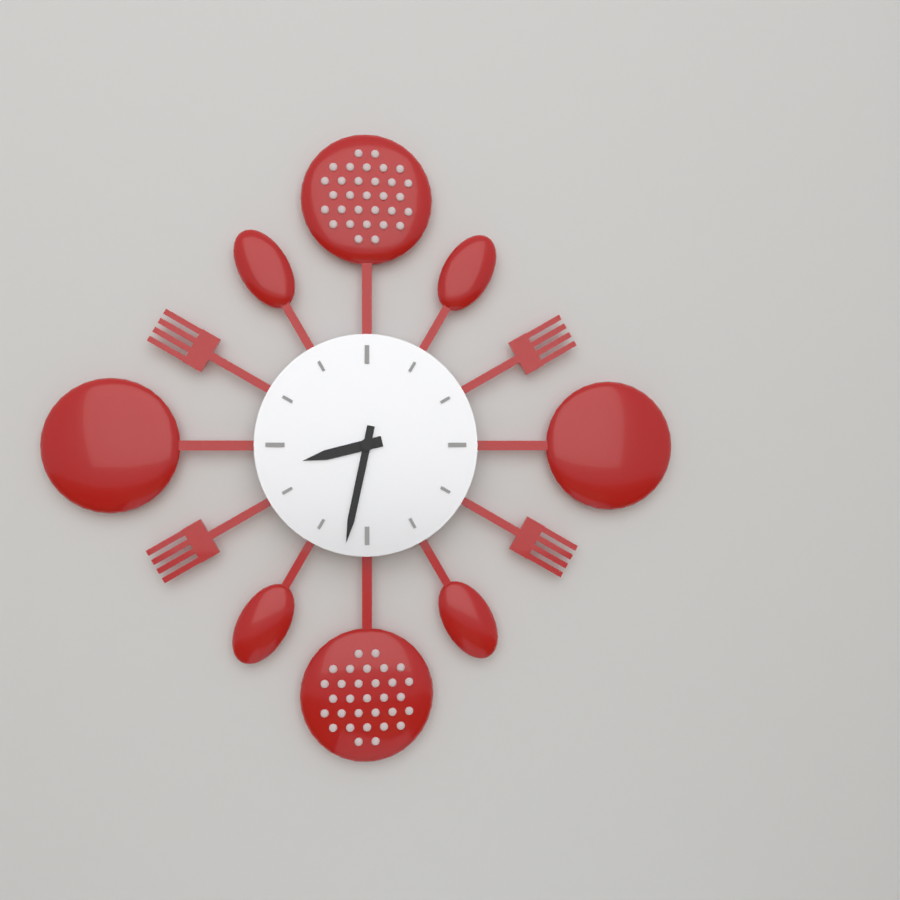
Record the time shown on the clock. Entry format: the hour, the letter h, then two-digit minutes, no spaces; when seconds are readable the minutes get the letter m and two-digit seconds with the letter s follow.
8h32
